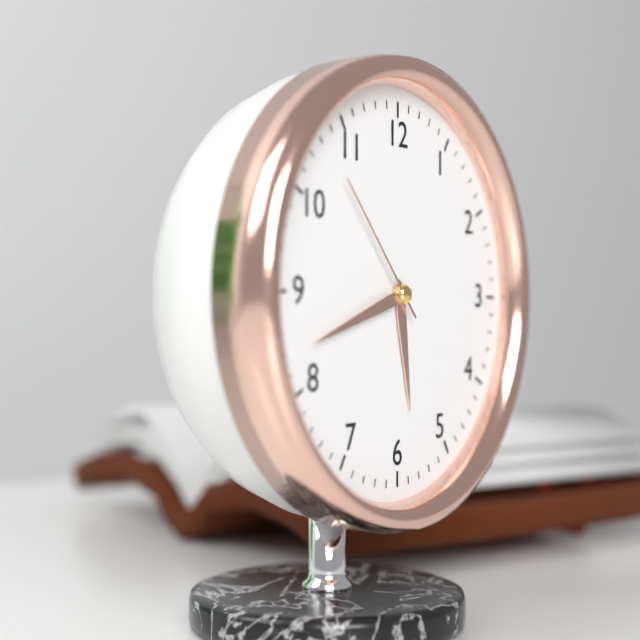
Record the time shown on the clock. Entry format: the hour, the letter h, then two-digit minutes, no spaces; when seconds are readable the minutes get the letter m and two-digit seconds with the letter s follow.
5h42m53s
